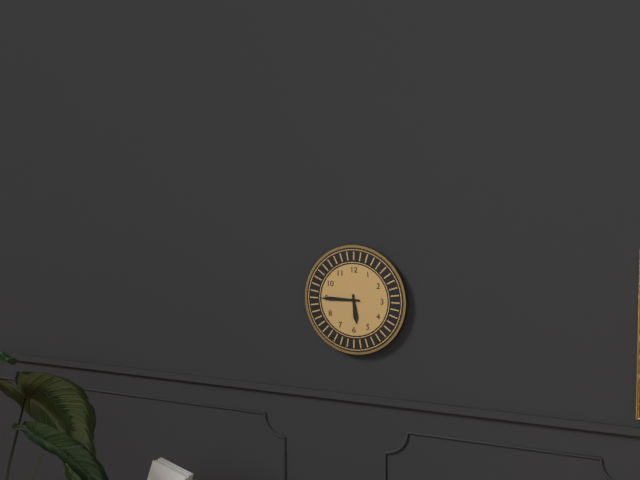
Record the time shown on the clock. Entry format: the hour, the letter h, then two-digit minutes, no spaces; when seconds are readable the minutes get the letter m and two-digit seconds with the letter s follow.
5h45
